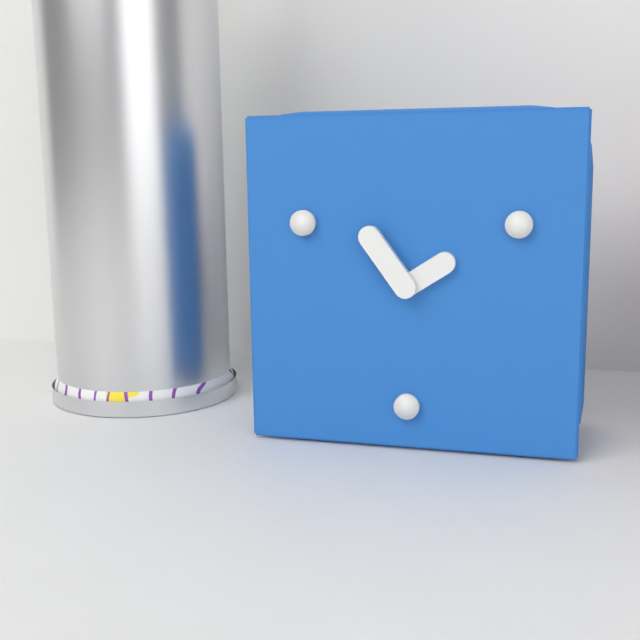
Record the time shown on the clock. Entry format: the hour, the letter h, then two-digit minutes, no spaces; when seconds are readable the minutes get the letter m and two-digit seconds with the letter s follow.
1h54
